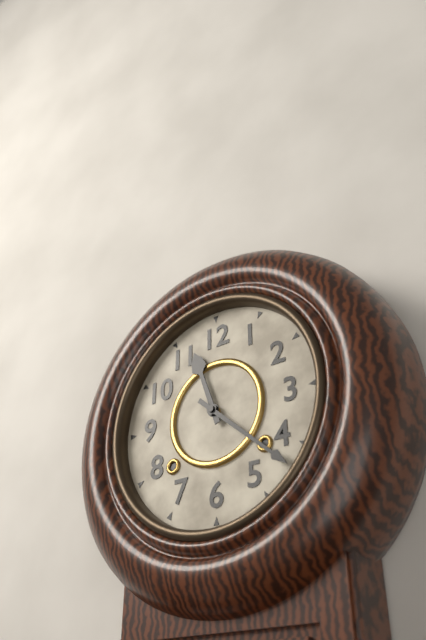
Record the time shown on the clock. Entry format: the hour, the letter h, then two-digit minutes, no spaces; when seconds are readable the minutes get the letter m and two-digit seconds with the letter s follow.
11h22
